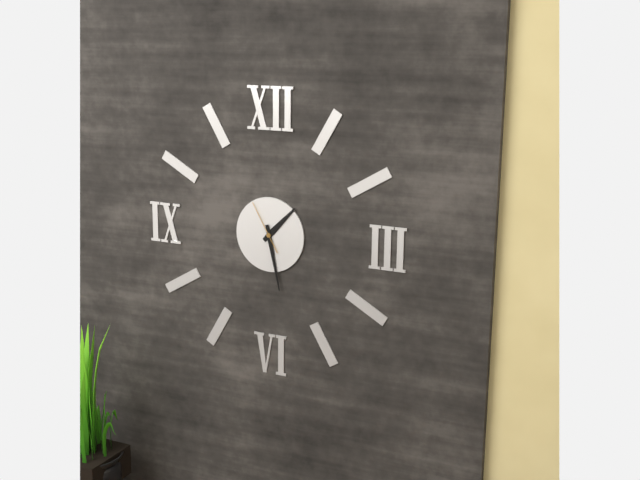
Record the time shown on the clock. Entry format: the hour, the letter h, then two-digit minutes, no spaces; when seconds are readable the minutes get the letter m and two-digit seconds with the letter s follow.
1h28
